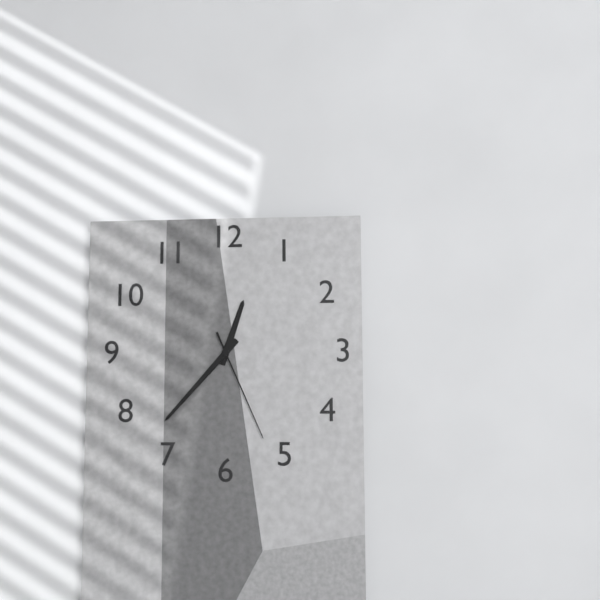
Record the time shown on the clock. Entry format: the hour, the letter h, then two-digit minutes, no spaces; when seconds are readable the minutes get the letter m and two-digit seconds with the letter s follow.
12h37m26s
